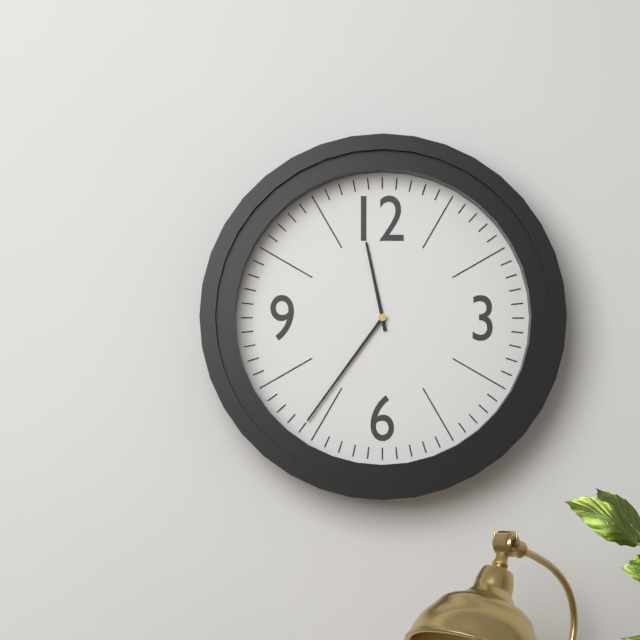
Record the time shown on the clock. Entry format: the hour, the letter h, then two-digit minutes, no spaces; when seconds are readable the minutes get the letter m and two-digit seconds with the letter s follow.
11h36
